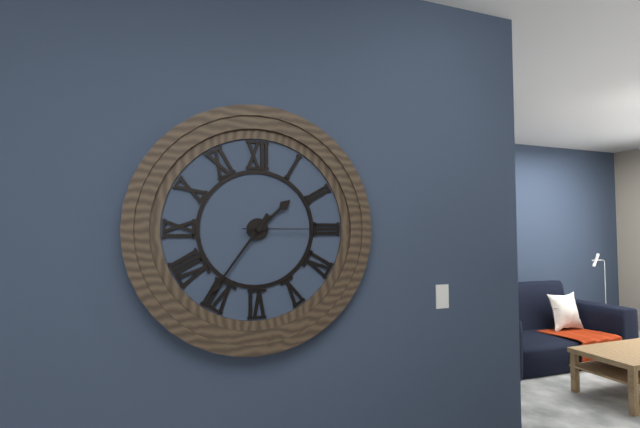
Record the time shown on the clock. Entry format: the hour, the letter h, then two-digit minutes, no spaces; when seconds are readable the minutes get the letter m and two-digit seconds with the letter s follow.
1h36m15s
